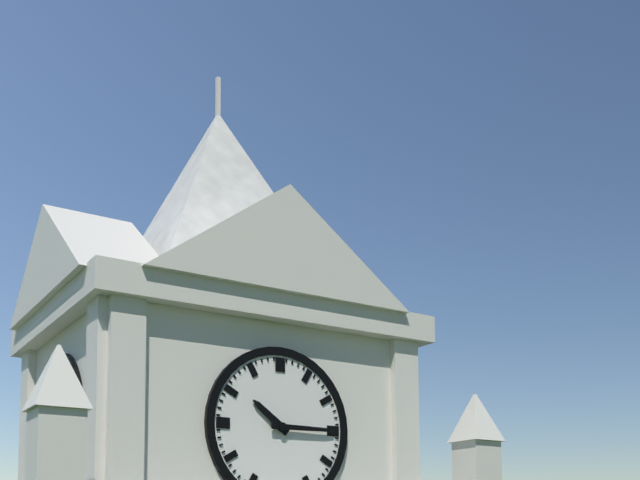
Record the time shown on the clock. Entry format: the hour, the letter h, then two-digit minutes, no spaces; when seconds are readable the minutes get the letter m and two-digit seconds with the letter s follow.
10h15
